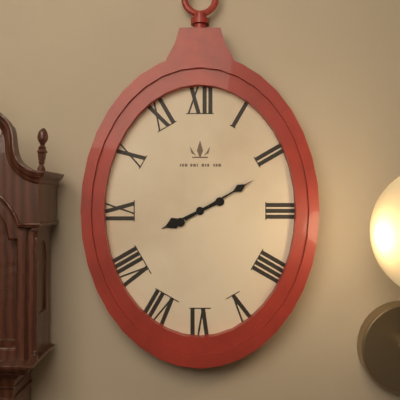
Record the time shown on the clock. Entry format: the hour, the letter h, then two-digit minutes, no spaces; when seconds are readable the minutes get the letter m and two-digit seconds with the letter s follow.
8h10
